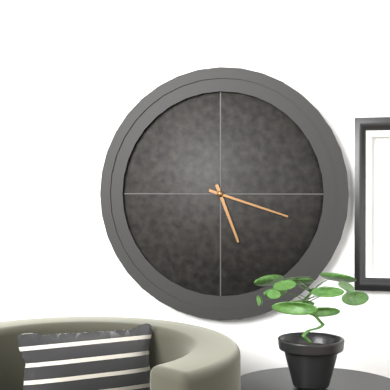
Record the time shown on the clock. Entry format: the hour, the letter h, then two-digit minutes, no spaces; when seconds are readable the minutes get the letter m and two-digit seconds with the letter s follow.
5h18
